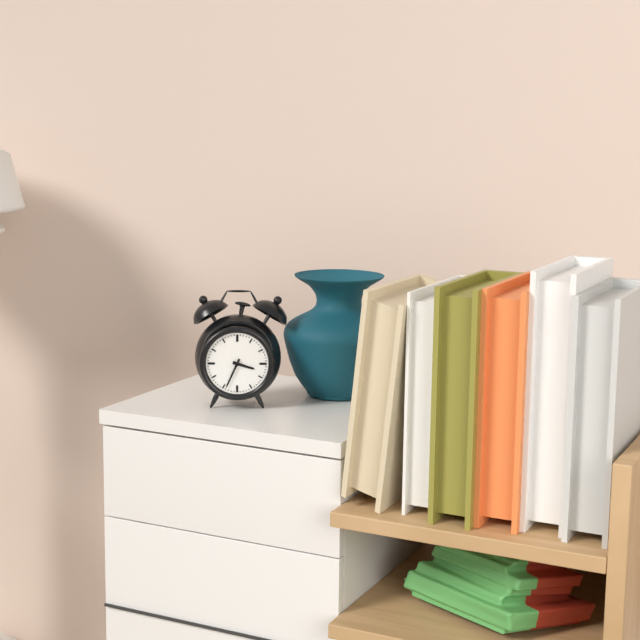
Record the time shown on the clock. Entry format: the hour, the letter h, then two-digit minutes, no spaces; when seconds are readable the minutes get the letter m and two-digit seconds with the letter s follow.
3h34
